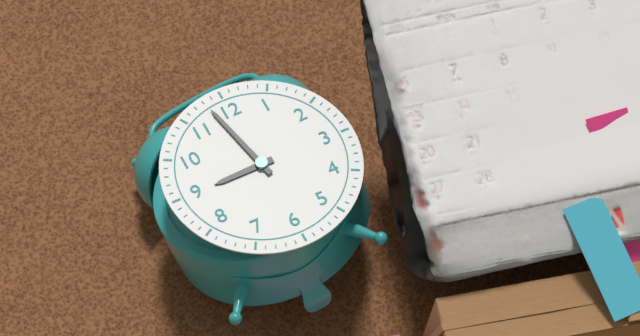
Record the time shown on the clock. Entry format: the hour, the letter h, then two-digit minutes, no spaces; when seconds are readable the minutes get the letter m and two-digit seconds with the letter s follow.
8h58
